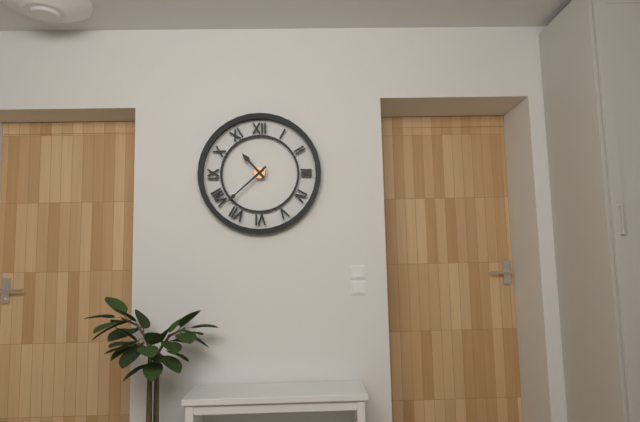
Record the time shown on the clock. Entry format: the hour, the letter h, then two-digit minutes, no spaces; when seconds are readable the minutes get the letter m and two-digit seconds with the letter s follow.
10h38
